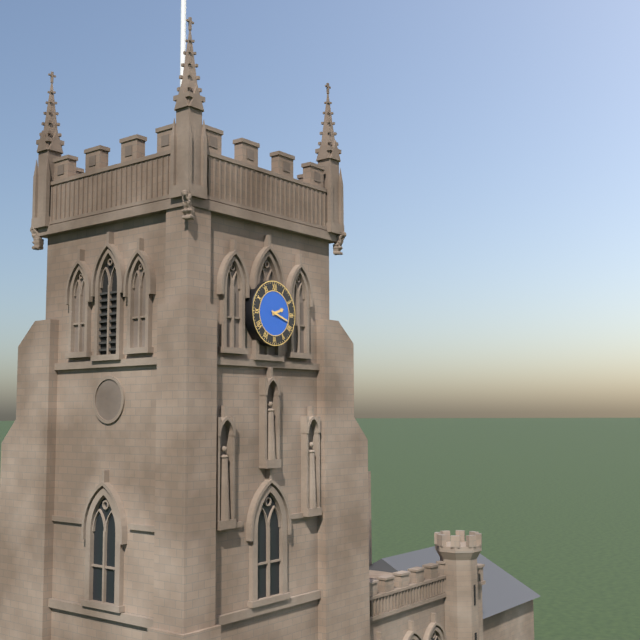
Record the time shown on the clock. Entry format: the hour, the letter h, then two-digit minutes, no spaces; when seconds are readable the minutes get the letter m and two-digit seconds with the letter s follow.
2h18
